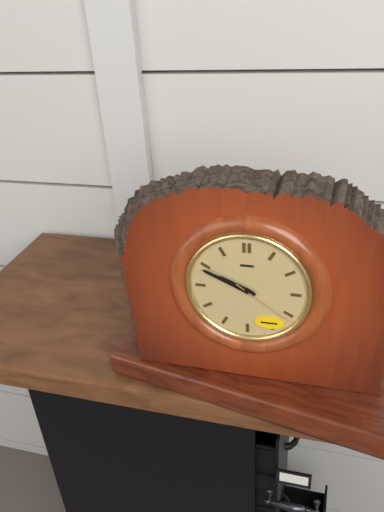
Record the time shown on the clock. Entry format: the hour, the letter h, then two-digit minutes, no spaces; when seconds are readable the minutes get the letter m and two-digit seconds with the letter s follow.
9h49m21s
